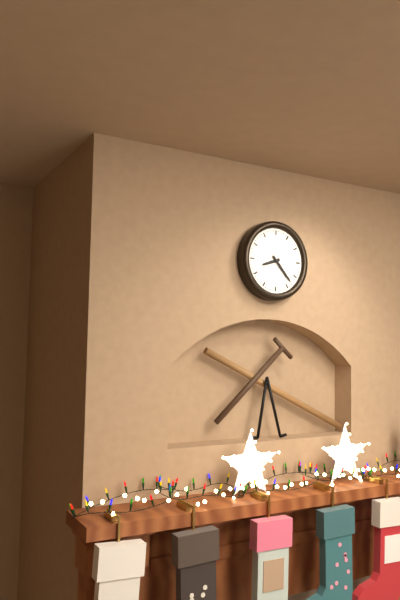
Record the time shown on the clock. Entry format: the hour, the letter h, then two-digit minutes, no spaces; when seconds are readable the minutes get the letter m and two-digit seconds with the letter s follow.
8h23
